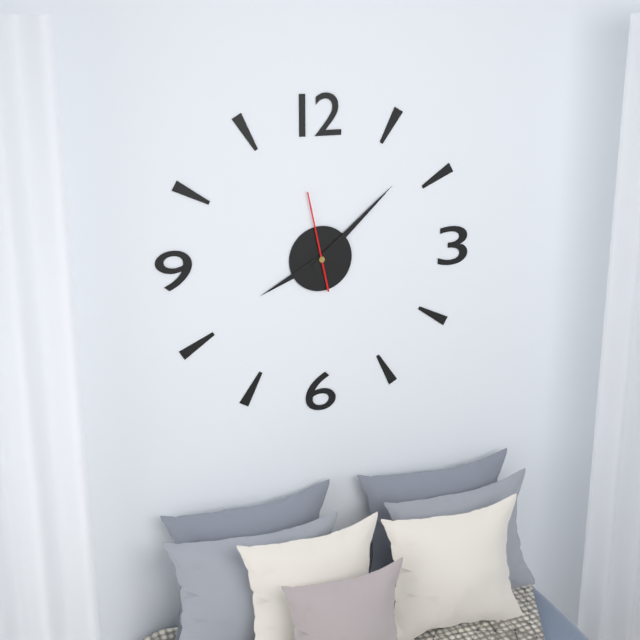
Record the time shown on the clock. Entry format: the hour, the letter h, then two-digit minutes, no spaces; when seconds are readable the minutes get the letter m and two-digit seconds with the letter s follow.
8h08m58s
